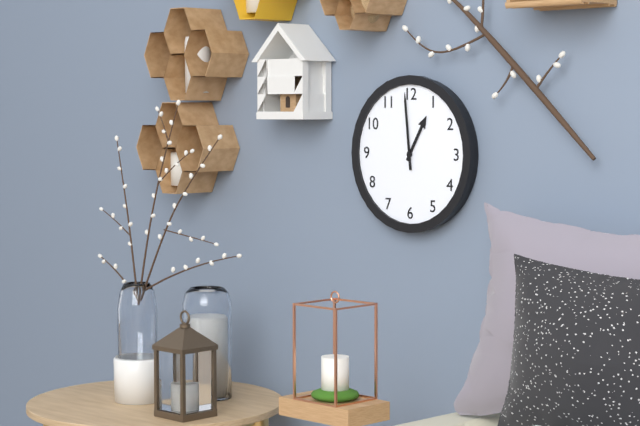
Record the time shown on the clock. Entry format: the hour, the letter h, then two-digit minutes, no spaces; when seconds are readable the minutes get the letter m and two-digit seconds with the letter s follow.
12h59
